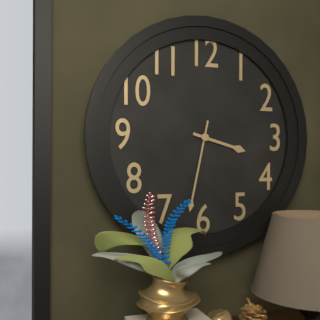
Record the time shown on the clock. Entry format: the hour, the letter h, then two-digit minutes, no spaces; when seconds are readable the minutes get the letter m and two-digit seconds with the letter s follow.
3h32
